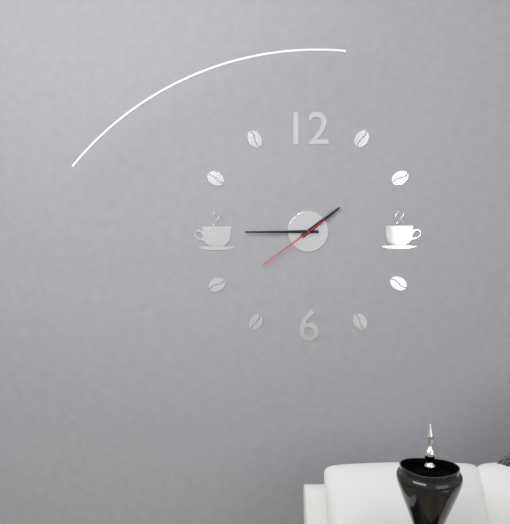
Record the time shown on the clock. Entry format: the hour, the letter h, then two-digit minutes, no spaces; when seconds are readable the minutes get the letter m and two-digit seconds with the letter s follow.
1h45m39s
